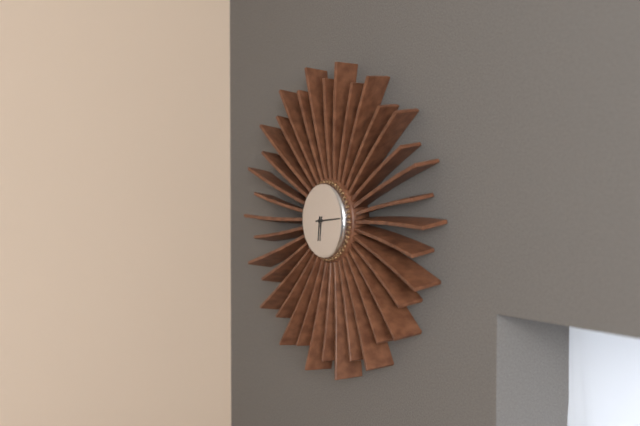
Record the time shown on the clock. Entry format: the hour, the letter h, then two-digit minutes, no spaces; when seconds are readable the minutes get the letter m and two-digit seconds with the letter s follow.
6h14
